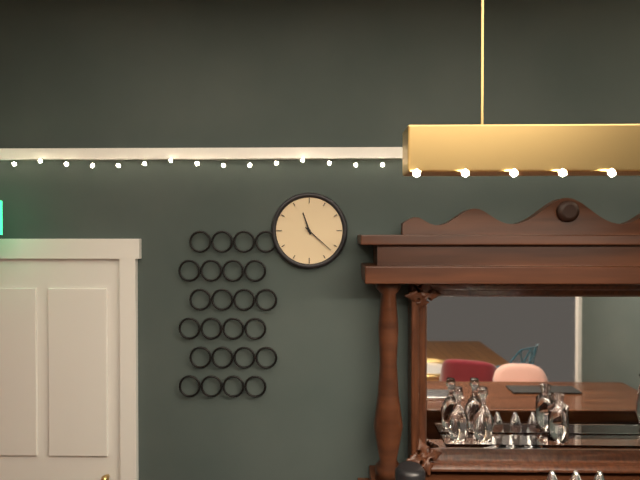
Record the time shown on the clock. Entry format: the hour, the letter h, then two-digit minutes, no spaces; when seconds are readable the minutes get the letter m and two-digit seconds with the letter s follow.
11h22
